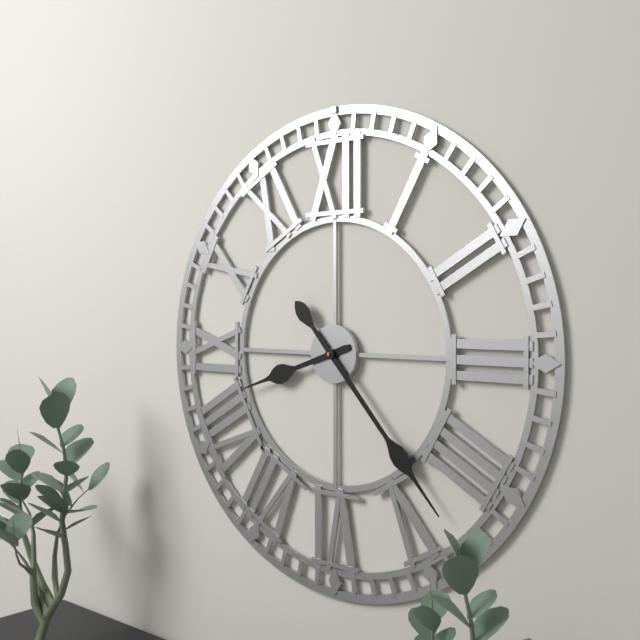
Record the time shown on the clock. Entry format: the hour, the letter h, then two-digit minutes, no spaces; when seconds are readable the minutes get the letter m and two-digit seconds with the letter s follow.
8h23
